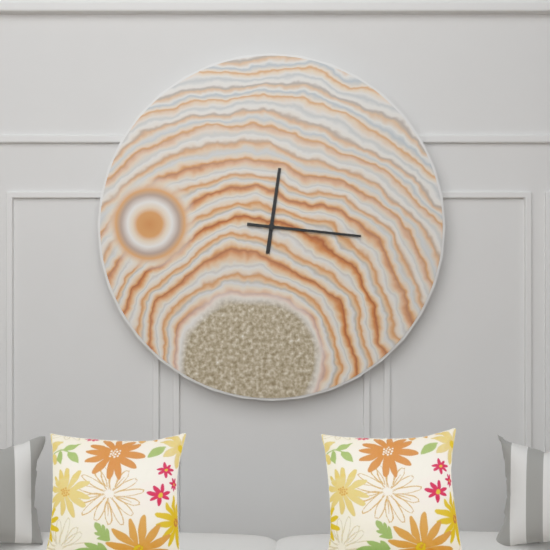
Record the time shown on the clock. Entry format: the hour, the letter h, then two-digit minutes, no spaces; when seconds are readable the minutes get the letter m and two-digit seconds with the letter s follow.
12h16
